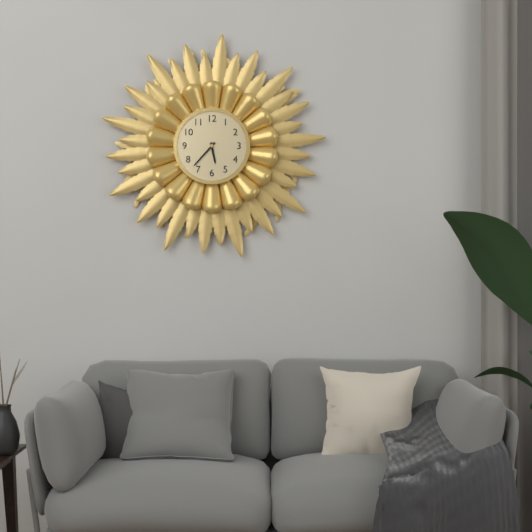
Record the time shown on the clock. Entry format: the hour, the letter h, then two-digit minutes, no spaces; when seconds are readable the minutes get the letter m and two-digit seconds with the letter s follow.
5h37
